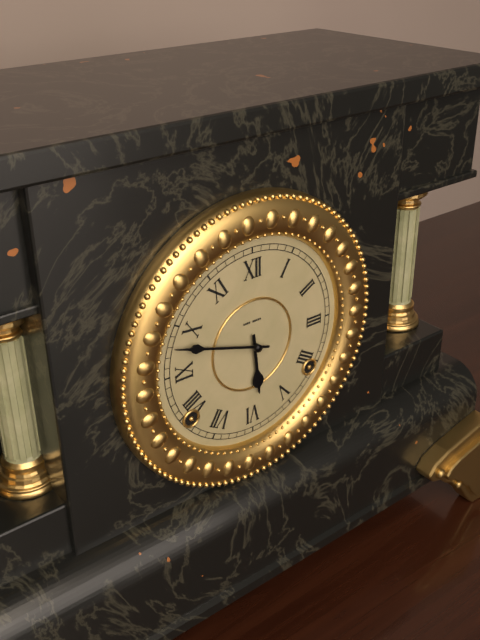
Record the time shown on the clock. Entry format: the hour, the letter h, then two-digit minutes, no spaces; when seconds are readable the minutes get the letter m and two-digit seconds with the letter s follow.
5h48
